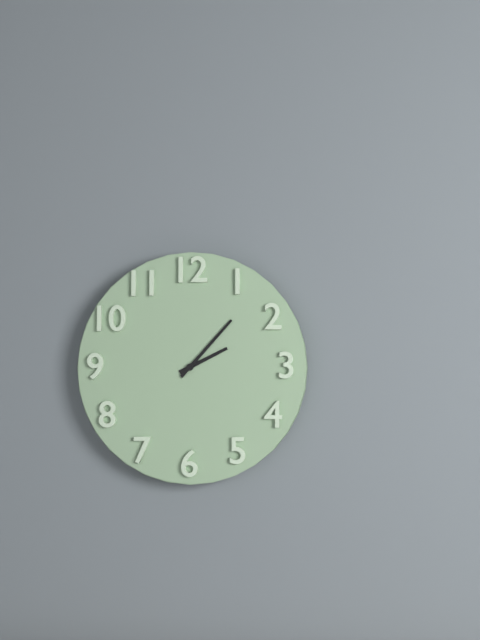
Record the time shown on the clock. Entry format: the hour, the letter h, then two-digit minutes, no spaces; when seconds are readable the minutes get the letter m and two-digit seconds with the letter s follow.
2h07
